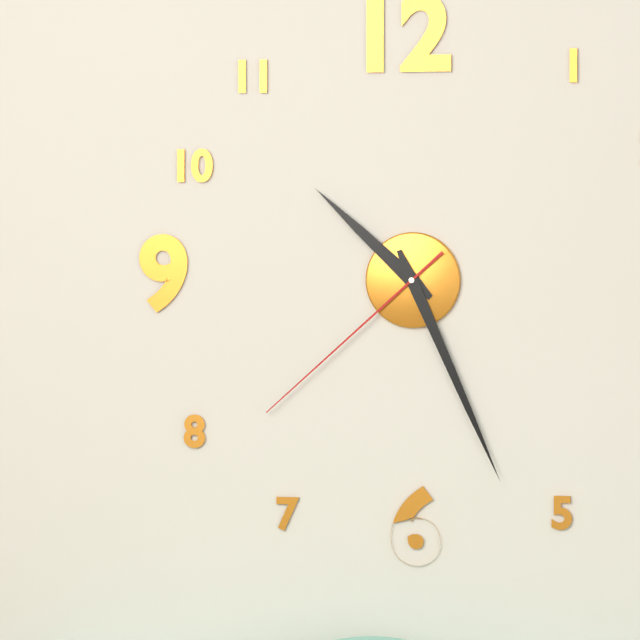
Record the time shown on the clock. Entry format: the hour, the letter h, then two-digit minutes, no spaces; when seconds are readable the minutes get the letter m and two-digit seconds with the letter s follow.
10h26m38s
